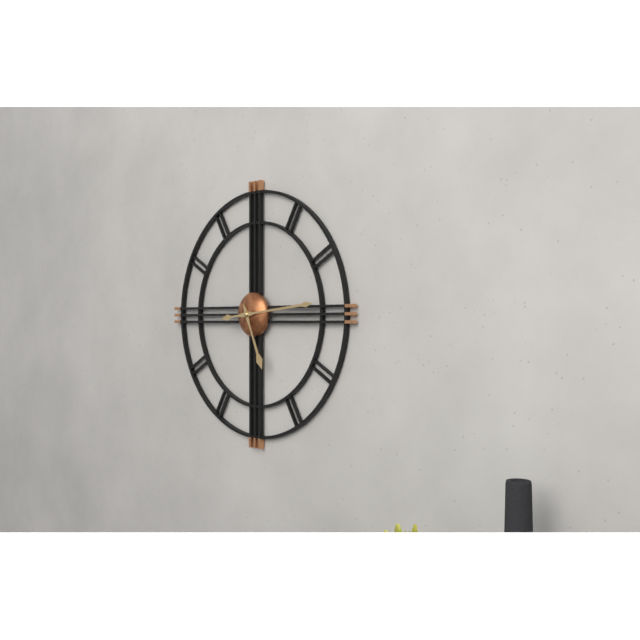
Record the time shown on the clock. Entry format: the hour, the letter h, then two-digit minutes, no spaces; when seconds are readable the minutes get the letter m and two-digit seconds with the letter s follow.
5h14
